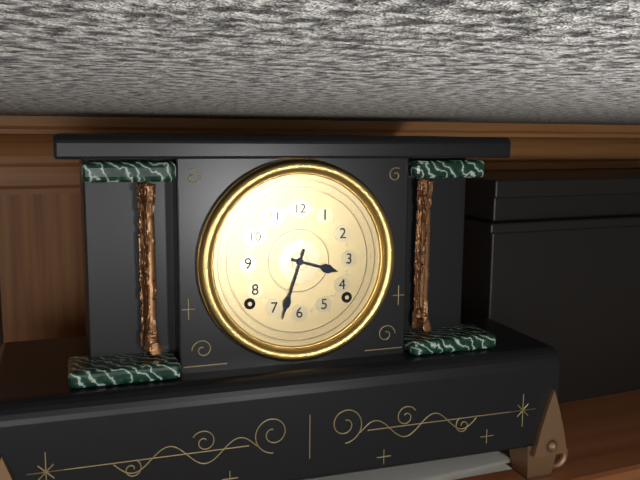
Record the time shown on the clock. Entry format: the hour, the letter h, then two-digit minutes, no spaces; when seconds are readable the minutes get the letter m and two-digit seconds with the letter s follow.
3h33
